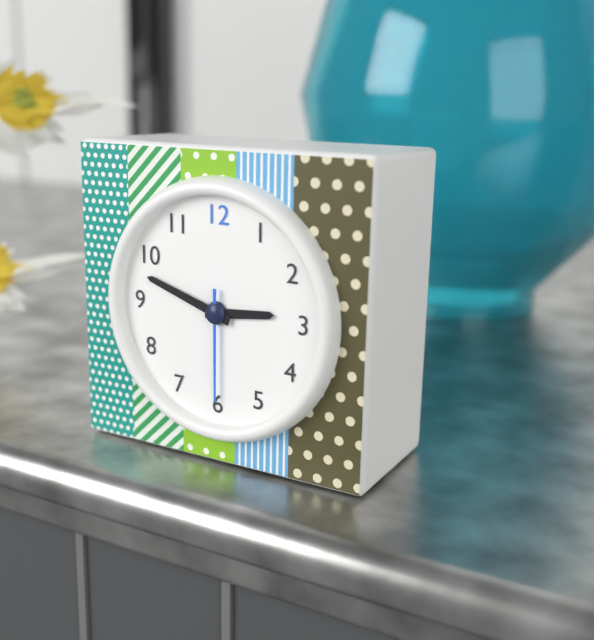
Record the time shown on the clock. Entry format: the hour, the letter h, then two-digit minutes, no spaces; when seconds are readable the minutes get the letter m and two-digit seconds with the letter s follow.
2h48m30s
